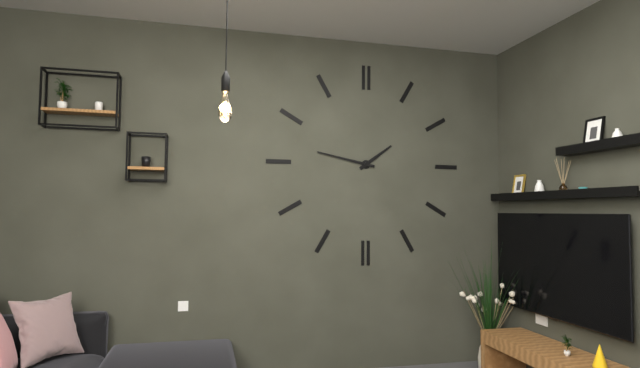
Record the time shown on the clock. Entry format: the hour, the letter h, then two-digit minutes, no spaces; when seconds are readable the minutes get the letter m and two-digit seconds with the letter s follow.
1h47
